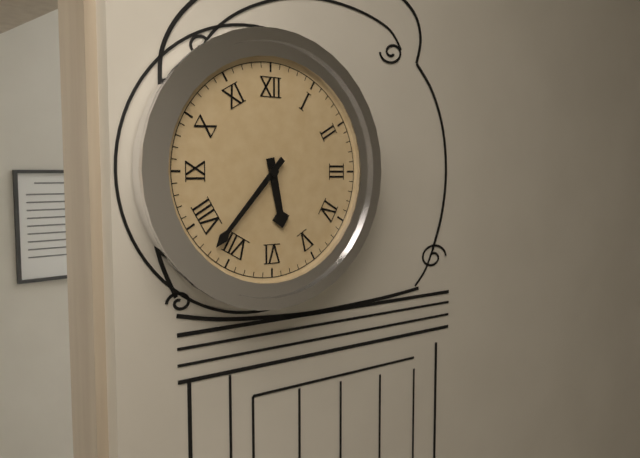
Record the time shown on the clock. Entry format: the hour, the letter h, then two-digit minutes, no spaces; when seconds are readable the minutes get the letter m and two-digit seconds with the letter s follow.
5h37
